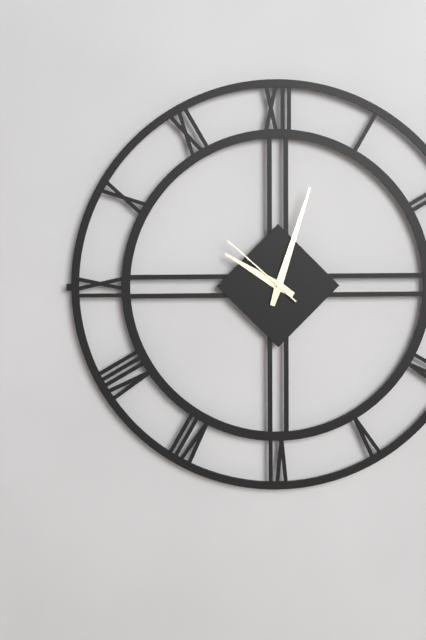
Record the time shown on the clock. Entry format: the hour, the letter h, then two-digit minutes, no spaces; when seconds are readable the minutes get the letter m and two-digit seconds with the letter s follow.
10h03m52s
